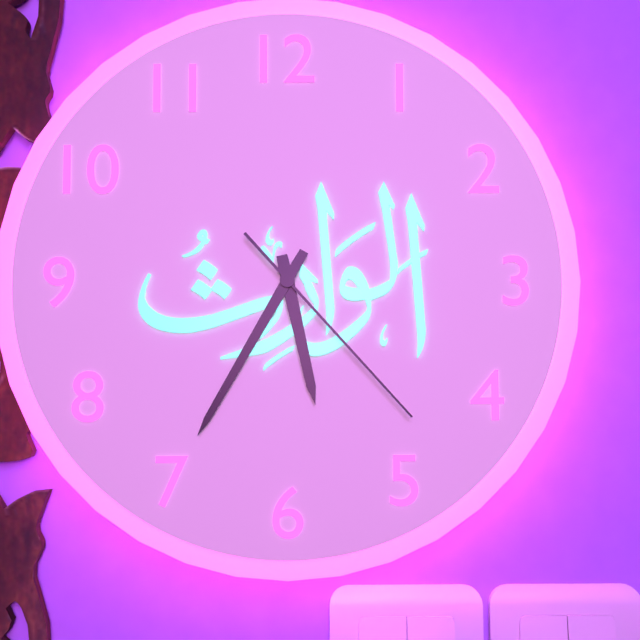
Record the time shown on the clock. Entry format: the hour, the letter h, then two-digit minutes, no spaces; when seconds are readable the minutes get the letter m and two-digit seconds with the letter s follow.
5h35m23s
